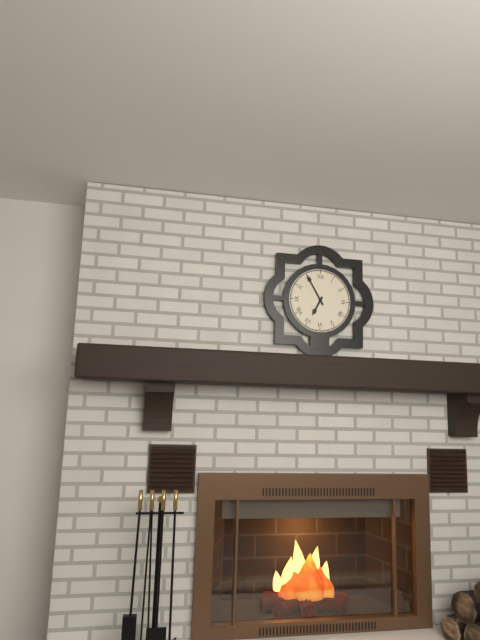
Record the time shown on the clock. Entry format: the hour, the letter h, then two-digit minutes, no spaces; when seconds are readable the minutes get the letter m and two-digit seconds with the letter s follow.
6h55
